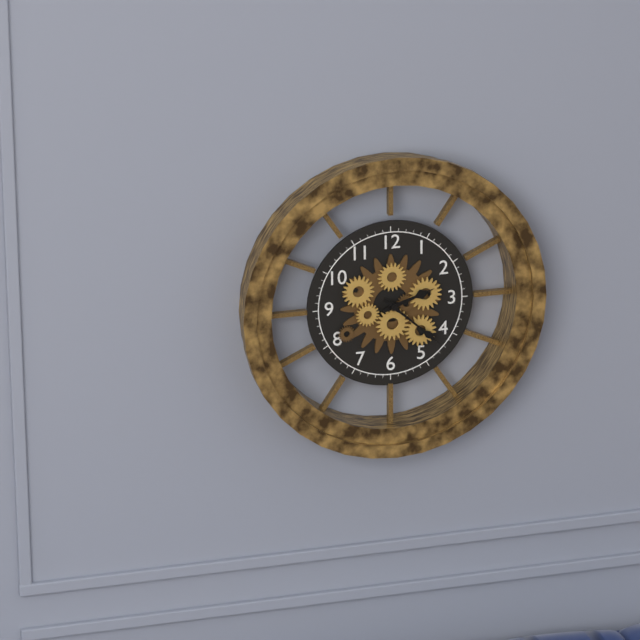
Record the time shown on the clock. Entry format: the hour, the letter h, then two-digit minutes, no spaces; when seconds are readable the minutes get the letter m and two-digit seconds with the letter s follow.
2h22
